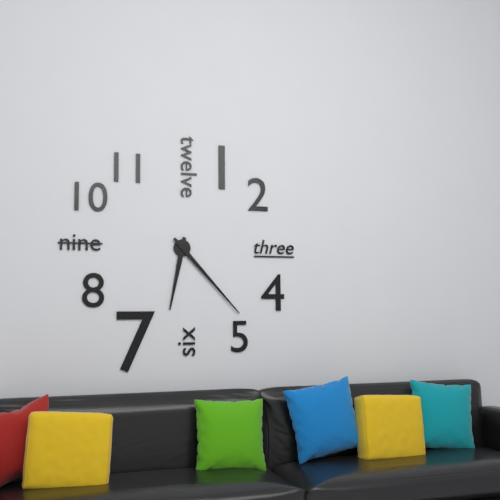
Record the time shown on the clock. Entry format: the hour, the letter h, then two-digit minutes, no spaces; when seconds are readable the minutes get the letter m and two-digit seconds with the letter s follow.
6h23
